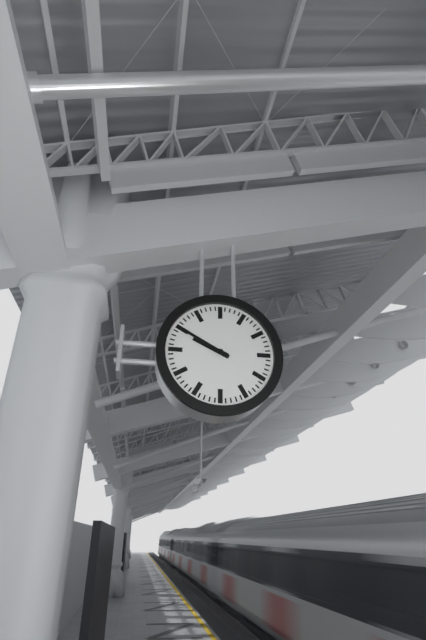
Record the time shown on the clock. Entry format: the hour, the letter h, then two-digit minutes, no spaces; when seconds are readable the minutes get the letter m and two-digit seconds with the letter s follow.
9h50
